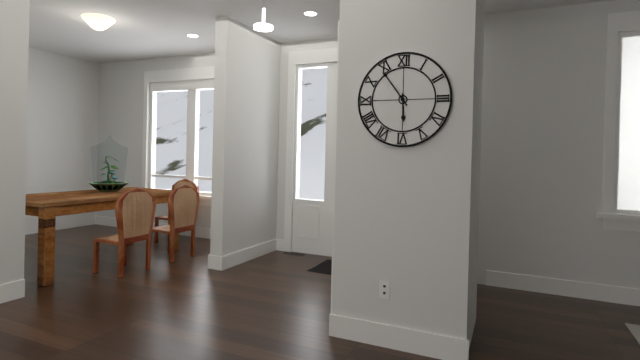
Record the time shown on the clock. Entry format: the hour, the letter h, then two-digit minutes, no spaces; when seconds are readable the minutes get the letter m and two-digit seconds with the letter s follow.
5h54
